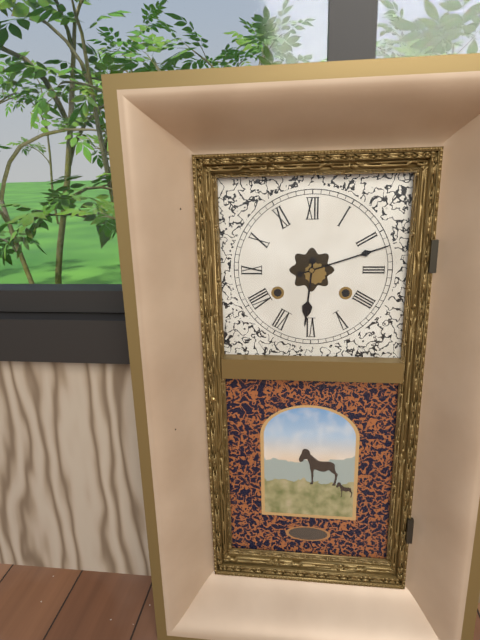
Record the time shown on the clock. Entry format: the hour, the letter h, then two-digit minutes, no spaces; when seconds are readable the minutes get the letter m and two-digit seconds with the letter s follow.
6h12
